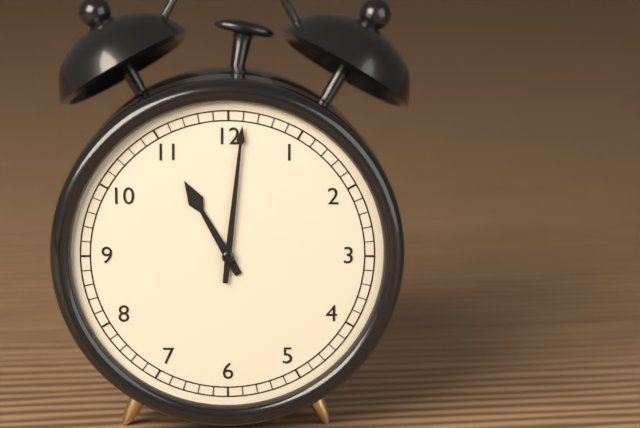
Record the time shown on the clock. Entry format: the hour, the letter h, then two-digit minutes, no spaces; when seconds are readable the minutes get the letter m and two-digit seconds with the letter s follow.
11h01
